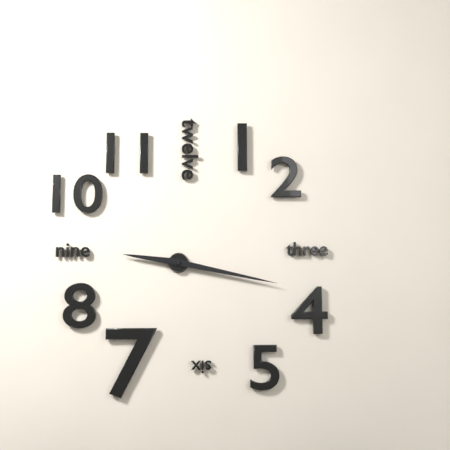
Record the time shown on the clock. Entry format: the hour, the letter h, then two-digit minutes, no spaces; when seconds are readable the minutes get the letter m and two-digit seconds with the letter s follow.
9h17
